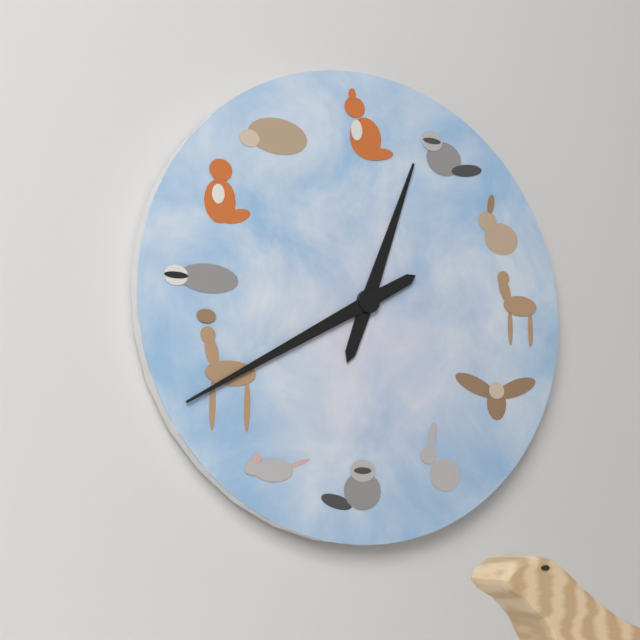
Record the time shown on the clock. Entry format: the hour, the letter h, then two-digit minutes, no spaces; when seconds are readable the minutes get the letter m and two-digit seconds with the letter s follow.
12h40
